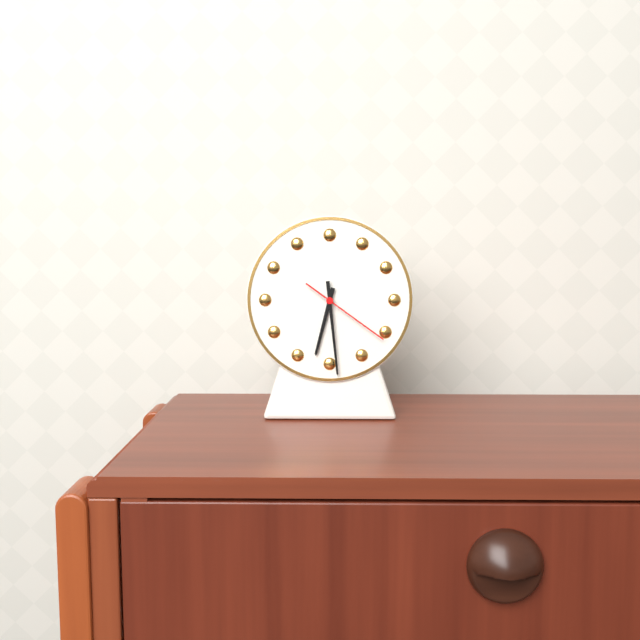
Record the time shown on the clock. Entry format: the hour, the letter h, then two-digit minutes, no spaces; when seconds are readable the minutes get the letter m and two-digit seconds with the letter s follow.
6h29m21s
